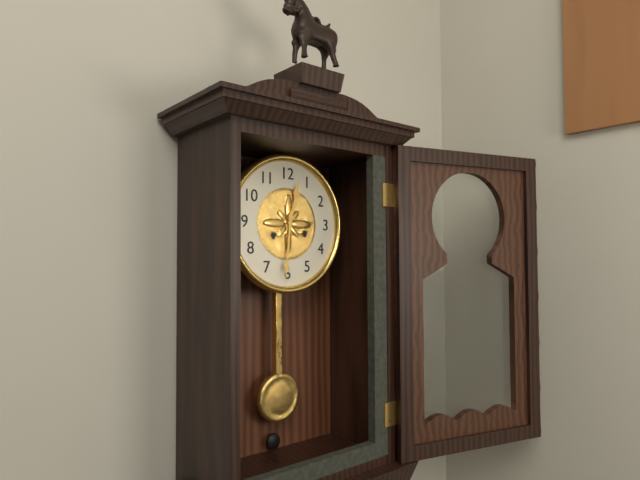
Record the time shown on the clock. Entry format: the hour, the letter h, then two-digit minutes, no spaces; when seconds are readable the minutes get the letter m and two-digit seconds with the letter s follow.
12h31
